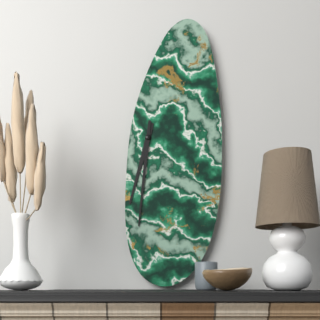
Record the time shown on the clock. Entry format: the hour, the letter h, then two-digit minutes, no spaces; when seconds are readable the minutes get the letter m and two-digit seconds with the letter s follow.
6h31
